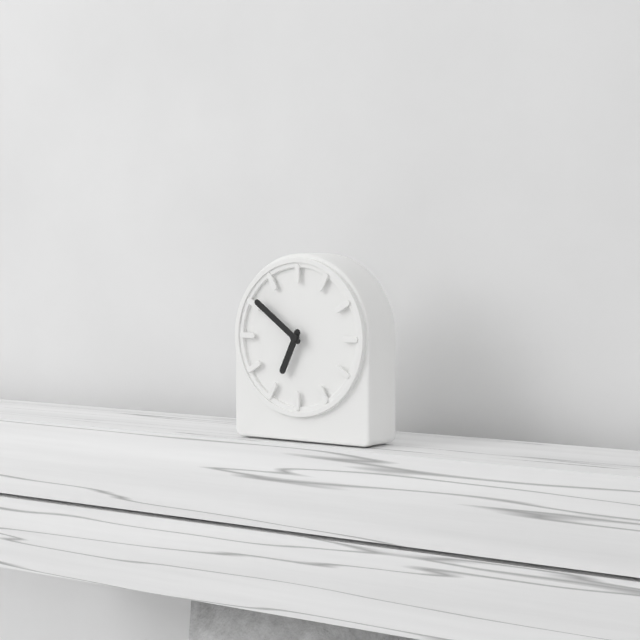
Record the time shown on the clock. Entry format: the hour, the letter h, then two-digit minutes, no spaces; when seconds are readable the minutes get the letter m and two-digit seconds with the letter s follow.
6h51
